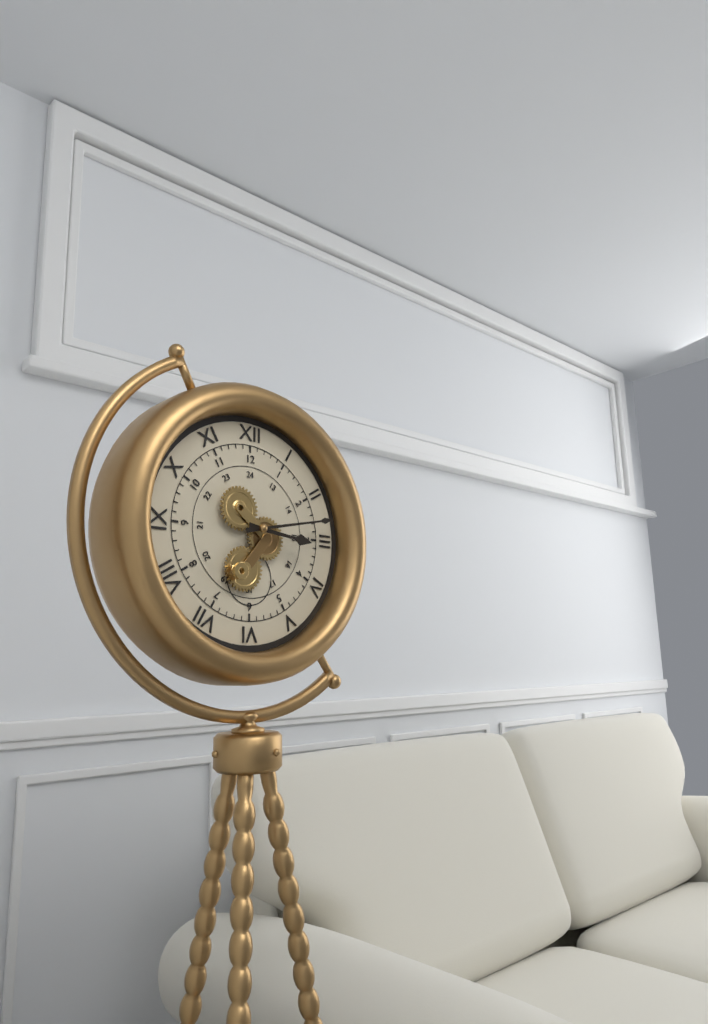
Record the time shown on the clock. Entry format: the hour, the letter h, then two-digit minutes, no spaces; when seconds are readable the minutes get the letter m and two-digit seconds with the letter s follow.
3h13
